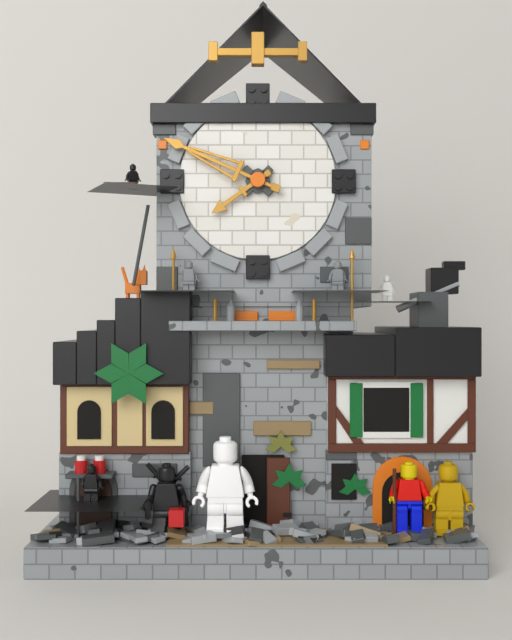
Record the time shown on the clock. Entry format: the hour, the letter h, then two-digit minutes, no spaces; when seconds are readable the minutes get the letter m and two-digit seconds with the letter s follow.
7h49
